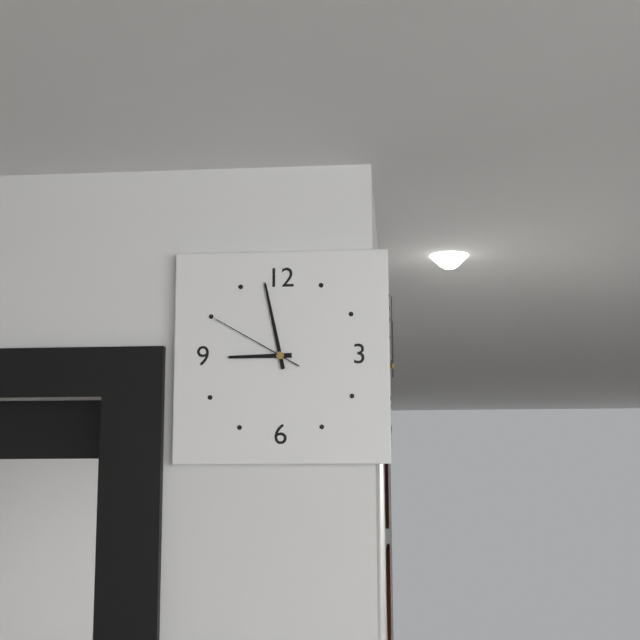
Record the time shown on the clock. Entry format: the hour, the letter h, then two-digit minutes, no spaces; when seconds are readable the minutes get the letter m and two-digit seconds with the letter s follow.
8h58m50s
